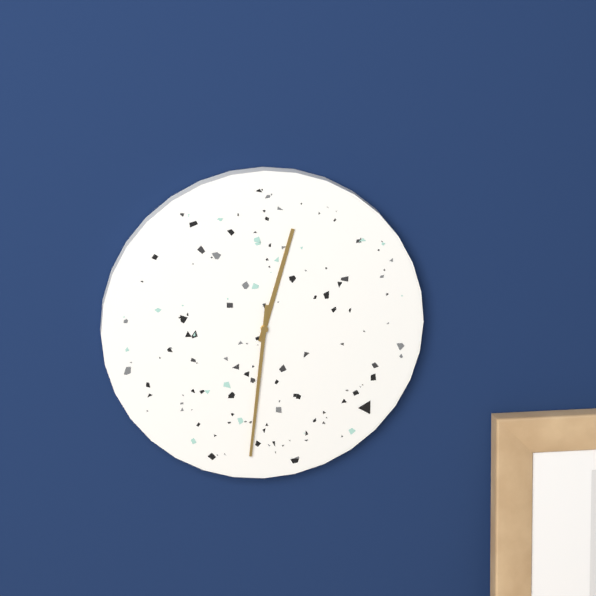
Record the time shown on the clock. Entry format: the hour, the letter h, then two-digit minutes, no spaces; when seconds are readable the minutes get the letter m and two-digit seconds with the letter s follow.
12h31
